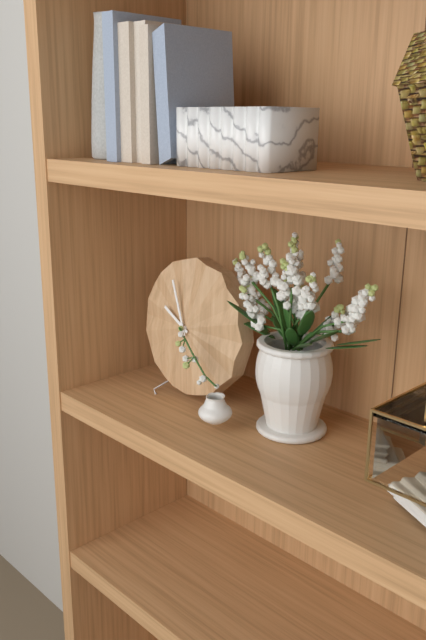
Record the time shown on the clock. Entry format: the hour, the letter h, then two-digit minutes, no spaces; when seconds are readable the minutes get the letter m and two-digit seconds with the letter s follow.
9h56
